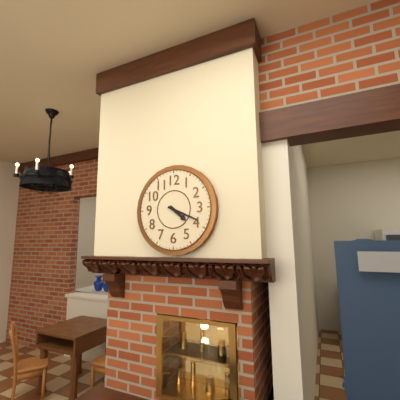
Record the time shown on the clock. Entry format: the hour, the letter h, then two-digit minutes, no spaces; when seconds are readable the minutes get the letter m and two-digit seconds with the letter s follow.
4h19
